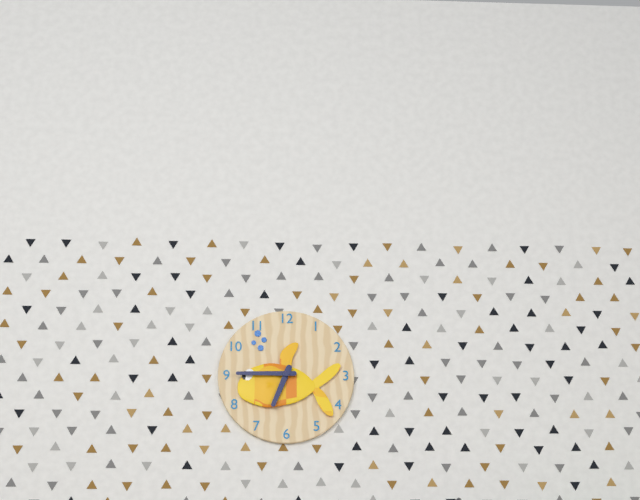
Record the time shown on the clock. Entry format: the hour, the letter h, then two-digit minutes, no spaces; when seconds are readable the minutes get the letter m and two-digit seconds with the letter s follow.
6h45
